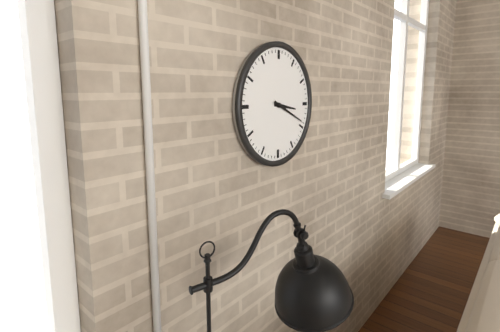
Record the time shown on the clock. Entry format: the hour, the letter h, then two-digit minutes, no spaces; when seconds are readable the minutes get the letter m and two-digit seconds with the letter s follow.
3h19
